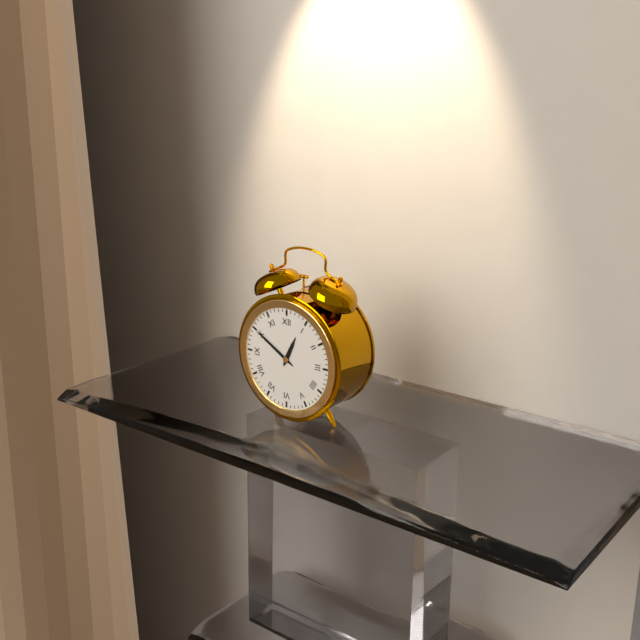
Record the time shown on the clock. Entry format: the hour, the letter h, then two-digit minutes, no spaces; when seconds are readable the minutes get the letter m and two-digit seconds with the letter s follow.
12h50
